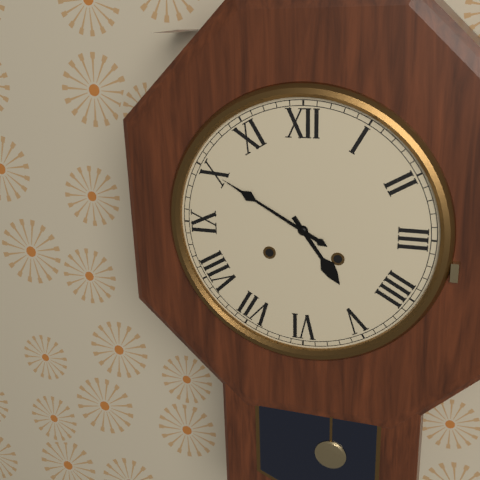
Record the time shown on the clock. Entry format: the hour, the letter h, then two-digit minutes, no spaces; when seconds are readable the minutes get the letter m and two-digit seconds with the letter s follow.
4h50
